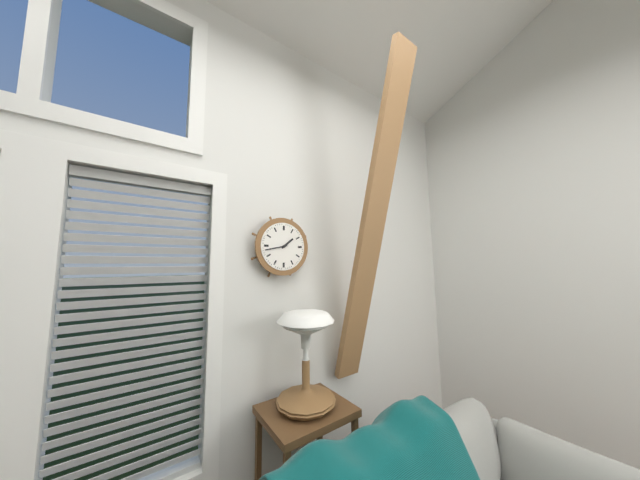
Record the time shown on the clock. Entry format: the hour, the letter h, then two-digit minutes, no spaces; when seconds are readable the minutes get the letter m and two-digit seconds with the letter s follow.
1h43
